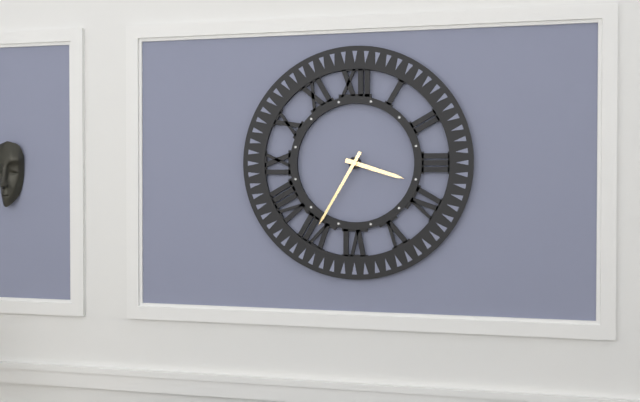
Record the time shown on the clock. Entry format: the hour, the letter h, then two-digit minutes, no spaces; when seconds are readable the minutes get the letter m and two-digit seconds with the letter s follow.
3h35
